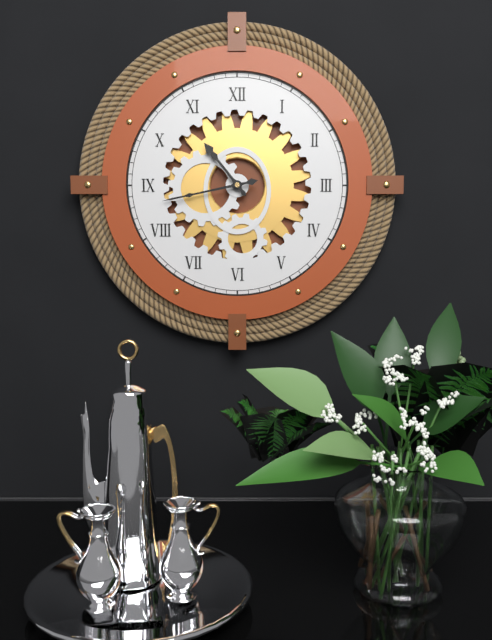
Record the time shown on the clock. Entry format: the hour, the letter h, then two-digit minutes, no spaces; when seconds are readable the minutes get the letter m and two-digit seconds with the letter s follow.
10h43
